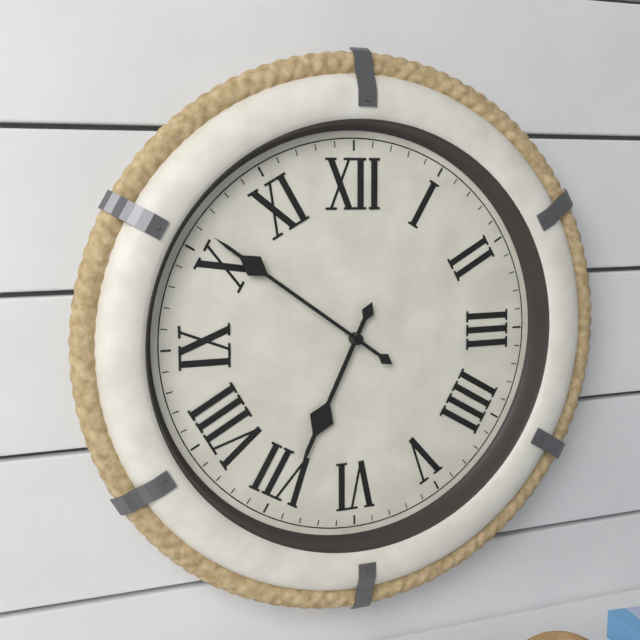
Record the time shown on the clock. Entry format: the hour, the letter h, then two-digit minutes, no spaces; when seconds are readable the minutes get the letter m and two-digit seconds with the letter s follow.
6h51
